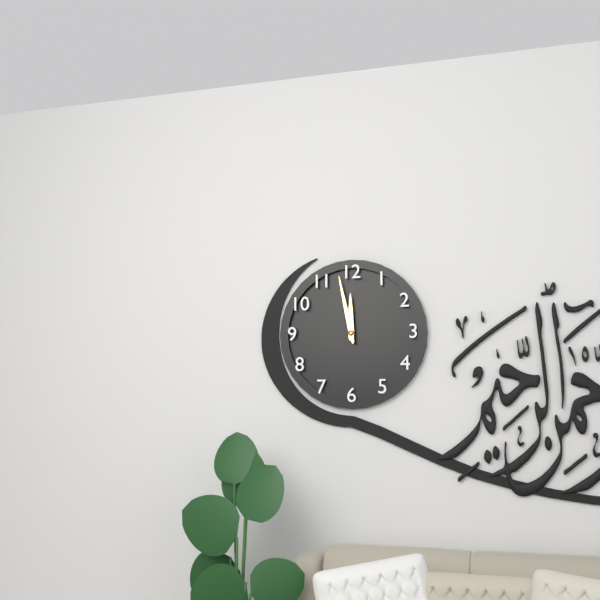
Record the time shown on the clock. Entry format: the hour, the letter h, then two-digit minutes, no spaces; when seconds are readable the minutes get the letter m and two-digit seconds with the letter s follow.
11h58
